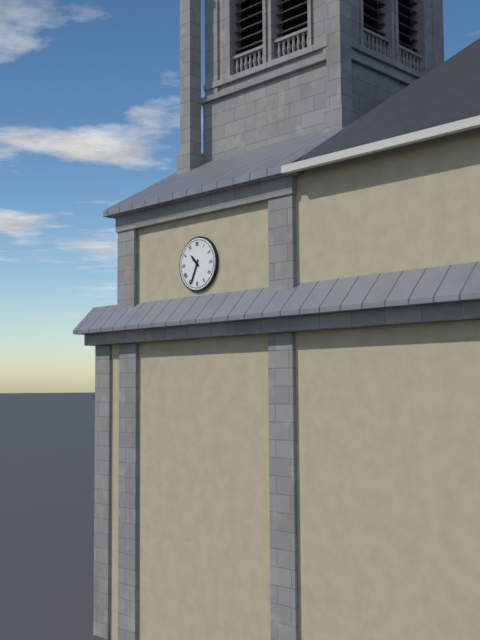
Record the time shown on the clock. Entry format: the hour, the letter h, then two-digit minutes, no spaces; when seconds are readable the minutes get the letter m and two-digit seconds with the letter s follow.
10h34
